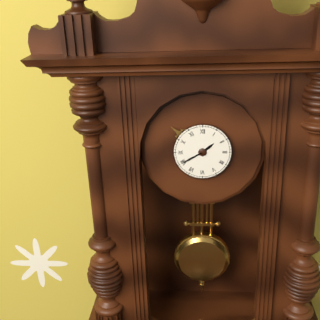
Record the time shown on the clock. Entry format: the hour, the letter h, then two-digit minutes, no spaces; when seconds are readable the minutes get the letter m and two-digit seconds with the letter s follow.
1h40
